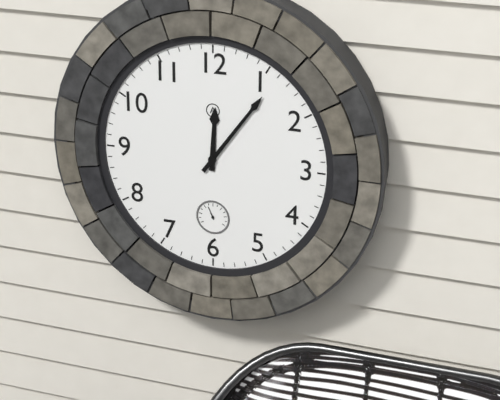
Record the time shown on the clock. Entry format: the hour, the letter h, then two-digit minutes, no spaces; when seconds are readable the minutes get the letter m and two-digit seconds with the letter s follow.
12h06
